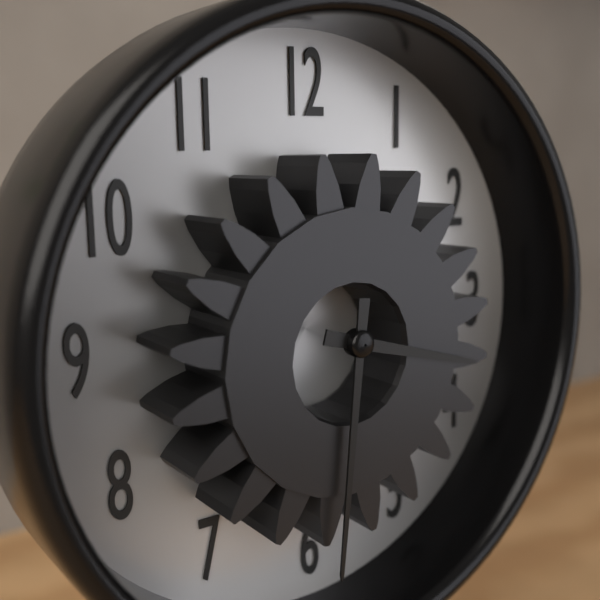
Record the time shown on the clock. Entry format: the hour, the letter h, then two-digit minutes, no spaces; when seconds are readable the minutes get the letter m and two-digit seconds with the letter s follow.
3h31
